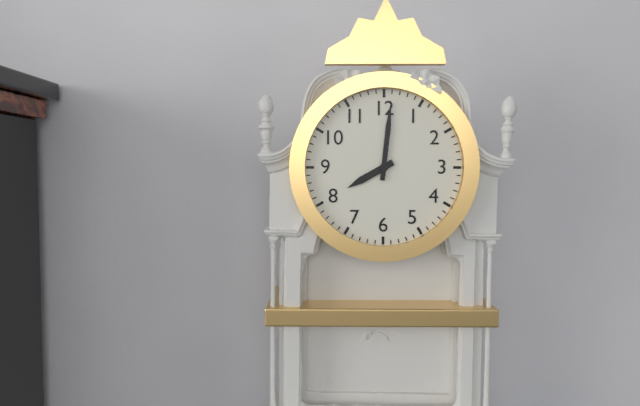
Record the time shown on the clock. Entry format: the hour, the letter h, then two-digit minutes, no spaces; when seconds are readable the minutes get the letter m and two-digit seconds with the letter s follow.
8h01
